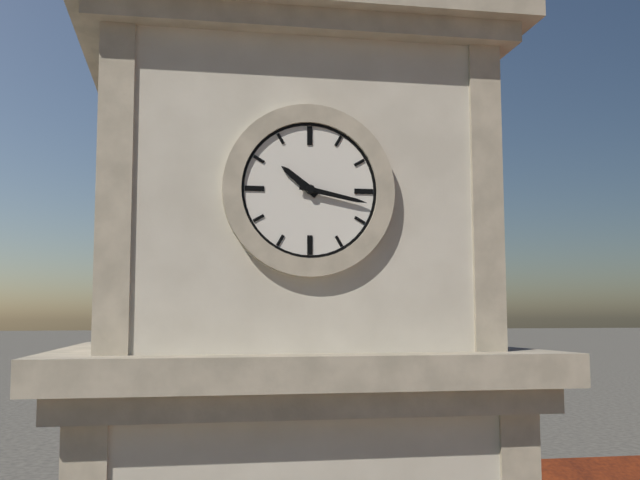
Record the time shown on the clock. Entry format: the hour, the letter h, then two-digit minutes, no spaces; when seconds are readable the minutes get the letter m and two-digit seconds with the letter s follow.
10h17
